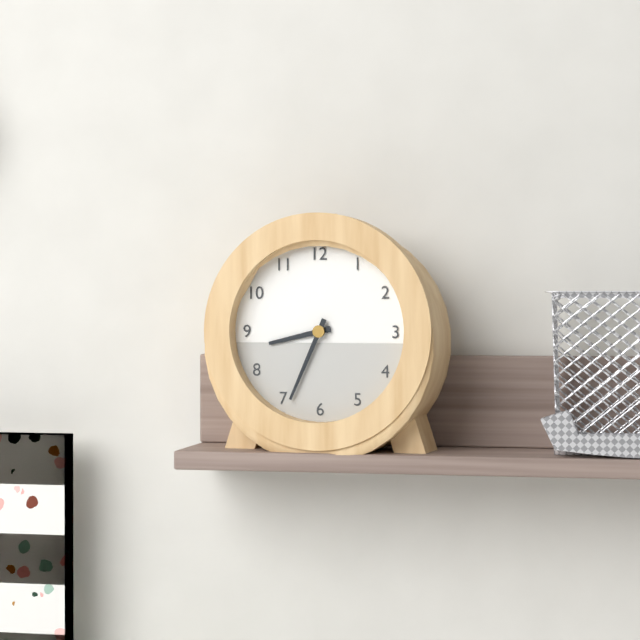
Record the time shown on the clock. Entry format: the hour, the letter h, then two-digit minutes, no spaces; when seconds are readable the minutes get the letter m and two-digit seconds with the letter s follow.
8h34
